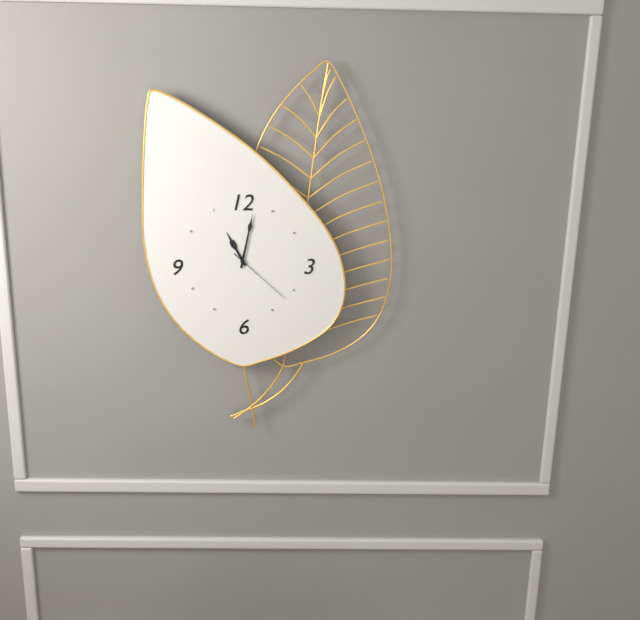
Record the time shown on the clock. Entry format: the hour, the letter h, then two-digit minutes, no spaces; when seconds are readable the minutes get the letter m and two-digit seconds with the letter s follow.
11h02m22s
